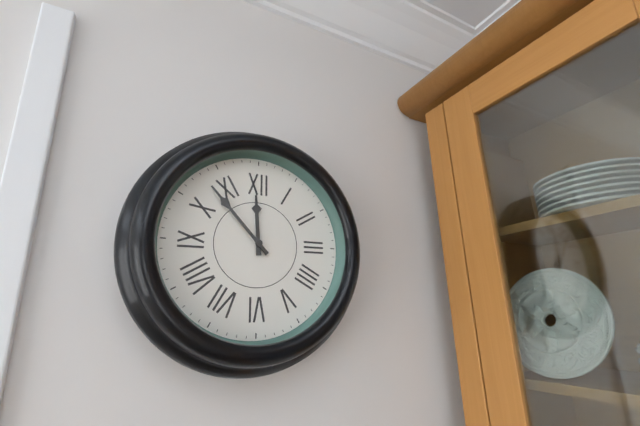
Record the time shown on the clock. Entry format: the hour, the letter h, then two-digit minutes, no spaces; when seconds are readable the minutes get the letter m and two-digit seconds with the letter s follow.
11h53
